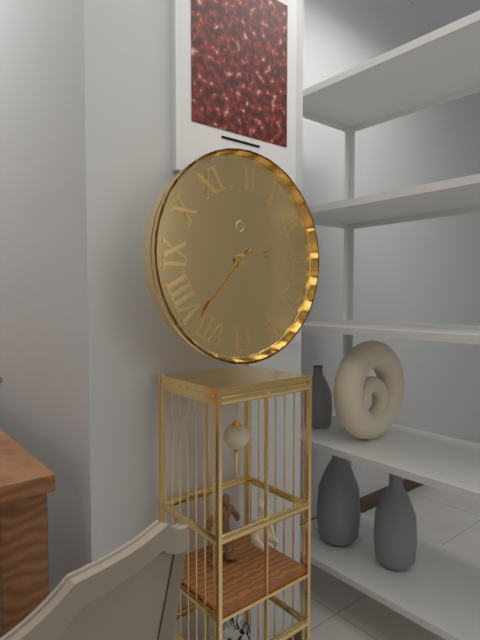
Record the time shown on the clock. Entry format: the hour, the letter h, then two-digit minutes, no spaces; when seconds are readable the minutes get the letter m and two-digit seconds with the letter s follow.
2h37
